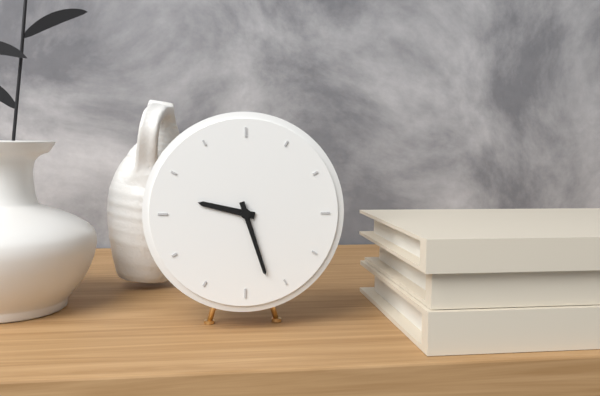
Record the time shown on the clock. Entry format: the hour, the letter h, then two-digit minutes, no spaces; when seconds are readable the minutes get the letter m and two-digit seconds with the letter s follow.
9h27
